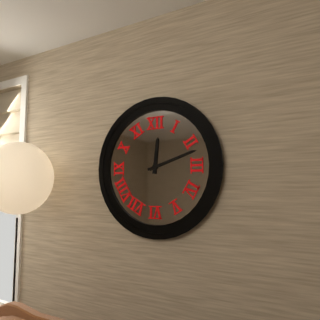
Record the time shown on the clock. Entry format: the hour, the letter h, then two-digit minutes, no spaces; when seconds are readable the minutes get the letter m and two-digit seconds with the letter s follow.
12h12
